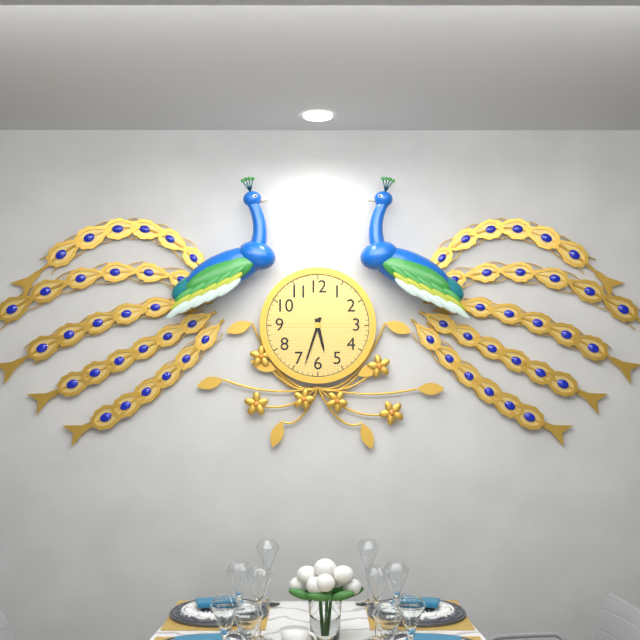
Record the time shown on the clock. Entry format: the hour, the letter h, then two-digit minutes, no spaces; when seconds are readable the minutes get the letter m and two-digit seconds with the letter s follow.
5h33
